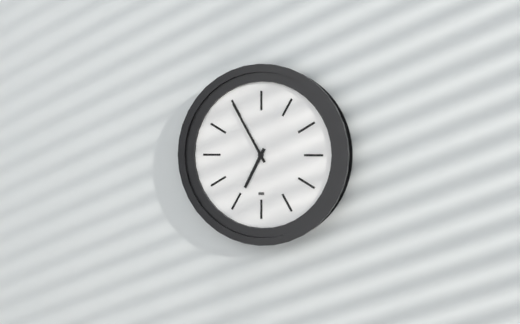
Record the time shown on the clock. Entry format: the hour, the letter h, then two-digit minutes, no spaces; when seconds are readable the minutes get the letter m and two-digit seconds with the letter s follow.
6h55
